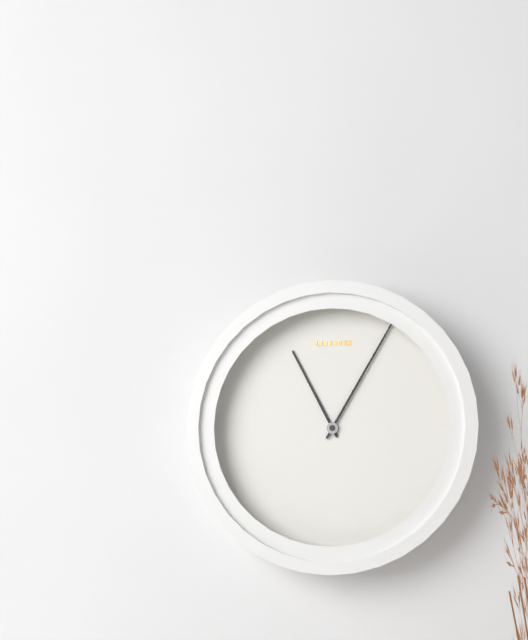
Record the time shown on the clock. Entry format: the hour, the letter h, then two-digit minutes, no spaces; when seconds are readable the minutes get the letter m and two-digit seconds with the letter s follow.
11h05
